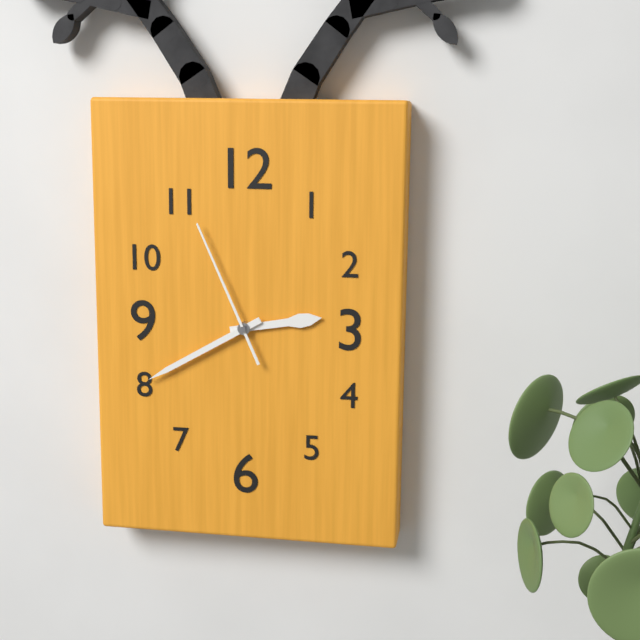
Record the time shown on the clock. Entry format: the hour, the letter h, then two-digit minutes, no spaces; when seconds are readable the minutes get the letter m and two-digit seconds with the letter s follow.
2h40m56s
